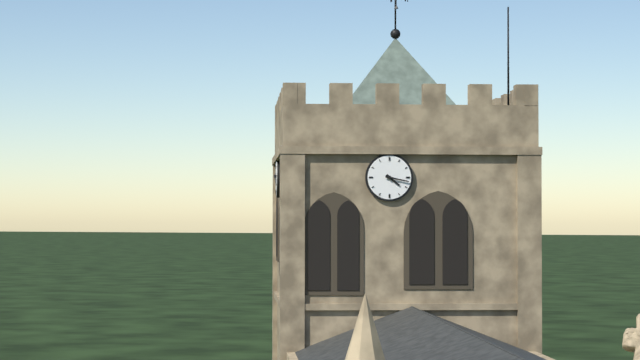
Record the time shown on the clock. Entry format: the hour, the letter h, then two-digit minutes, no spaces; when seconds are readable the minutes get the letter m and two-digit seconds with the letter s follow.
4h17
